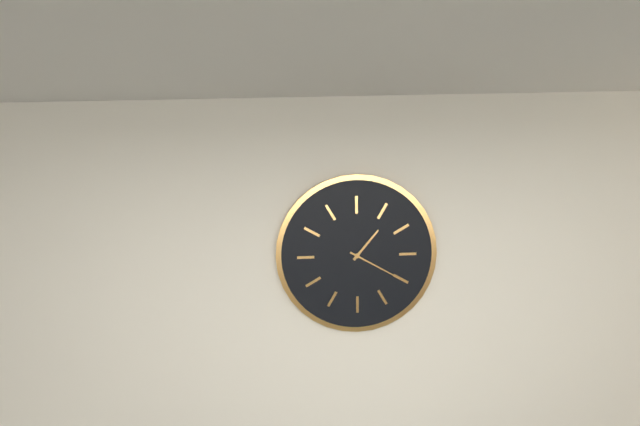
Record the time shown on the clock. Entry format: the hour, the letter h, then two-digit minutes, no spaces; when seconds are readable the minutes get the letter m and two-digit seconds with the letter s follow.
1h20
